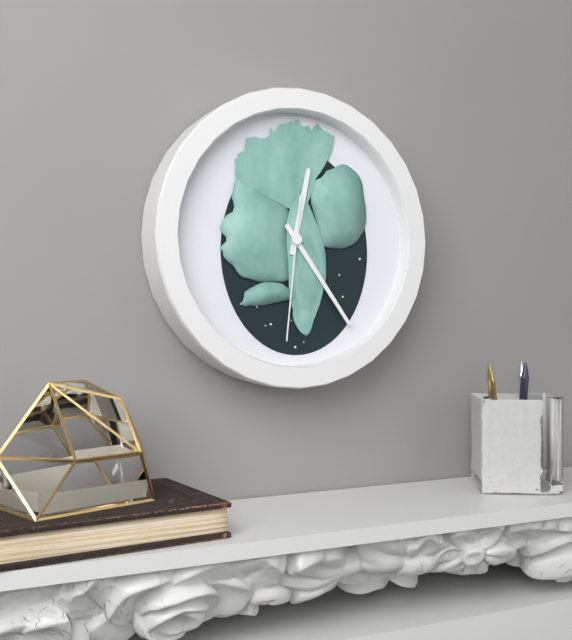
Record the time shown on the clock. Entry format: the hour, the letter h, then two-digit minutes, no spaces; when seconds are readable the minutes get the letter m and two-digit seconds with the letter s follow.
12h24m31s
